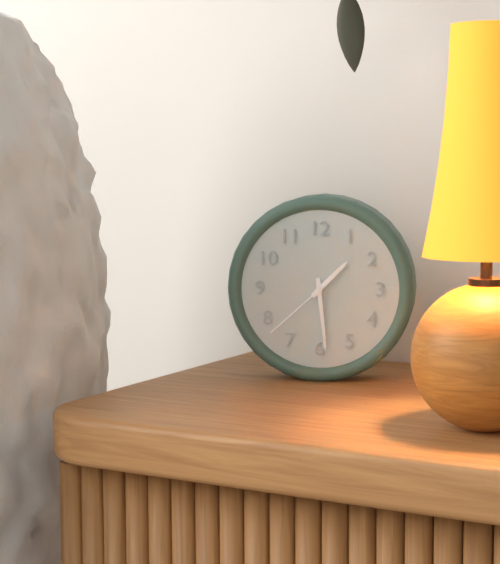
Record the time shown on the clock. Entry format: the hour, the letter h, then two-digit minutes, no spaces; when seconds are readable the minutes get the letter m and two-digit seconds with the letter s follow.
1h29m38s
